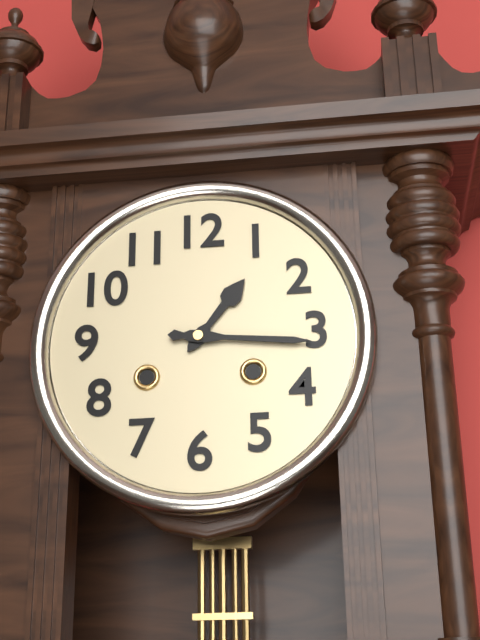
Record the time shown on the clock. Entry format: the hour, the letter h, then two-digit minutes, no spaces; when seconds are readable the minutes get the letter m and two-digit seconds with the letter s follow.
1h16
